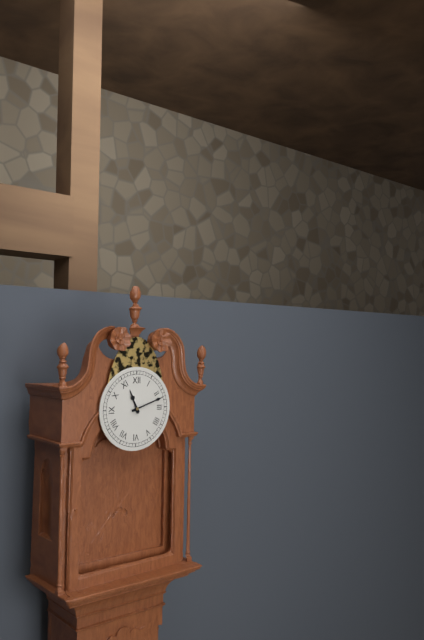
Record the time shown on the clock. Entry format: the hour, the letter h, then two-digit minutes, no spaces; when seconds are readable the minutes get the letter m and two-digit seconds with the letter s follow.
11h12
